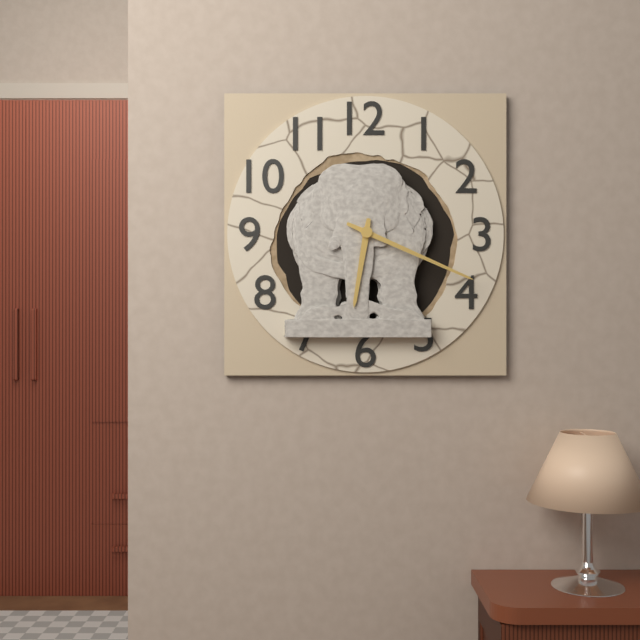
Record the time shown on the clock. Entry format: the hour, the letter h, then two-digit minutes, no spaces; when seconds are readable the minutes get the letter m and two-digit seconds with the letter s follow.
6h19
